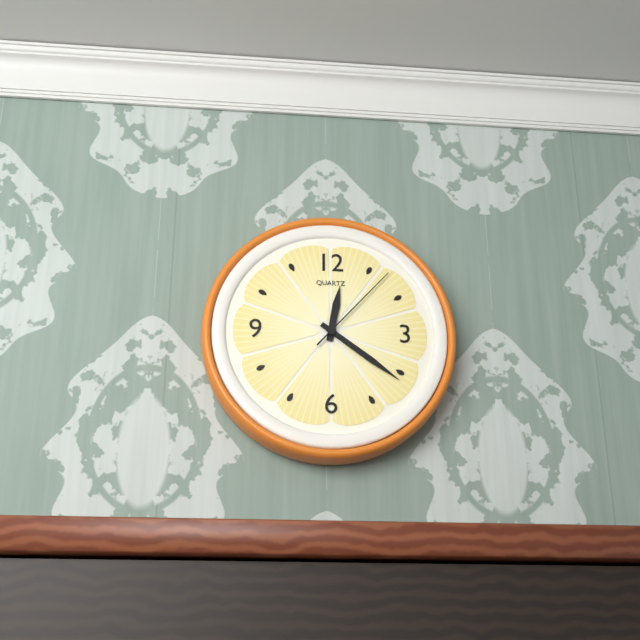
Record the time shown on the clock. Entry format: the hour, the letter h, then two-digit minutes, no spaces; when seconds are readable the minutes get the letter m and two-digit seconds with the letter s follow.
12h21m07s
